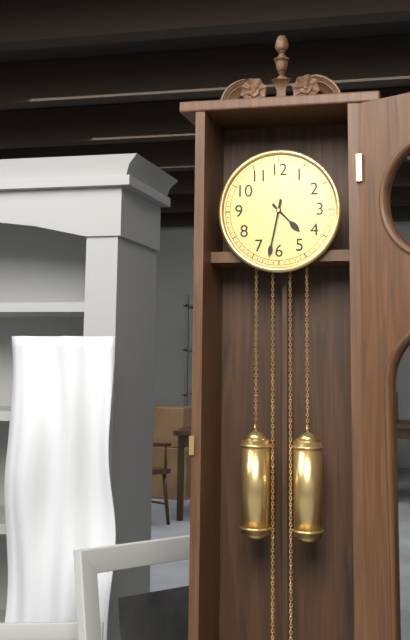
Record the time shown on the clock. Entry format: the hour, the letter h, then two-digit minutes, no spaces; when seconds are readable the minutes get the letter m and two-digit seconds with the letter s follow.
4h32
